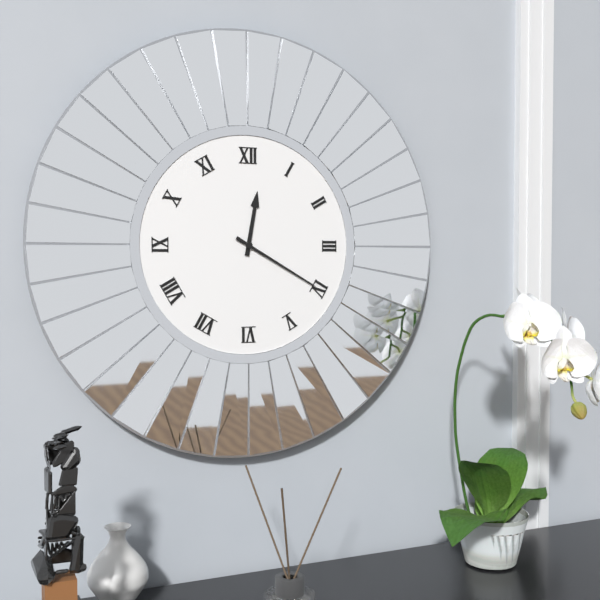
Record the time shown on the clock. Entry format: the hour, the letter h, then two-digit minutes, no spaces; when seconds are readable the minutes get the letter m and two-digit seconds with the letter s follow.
12h20
